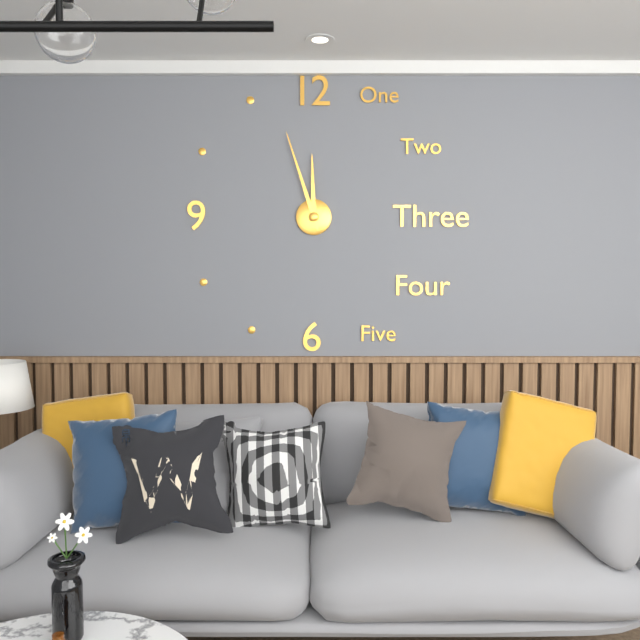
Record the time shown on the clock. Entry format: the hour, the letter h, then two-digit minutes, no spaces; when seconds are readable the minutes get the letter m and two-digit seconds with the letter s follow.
11h57
